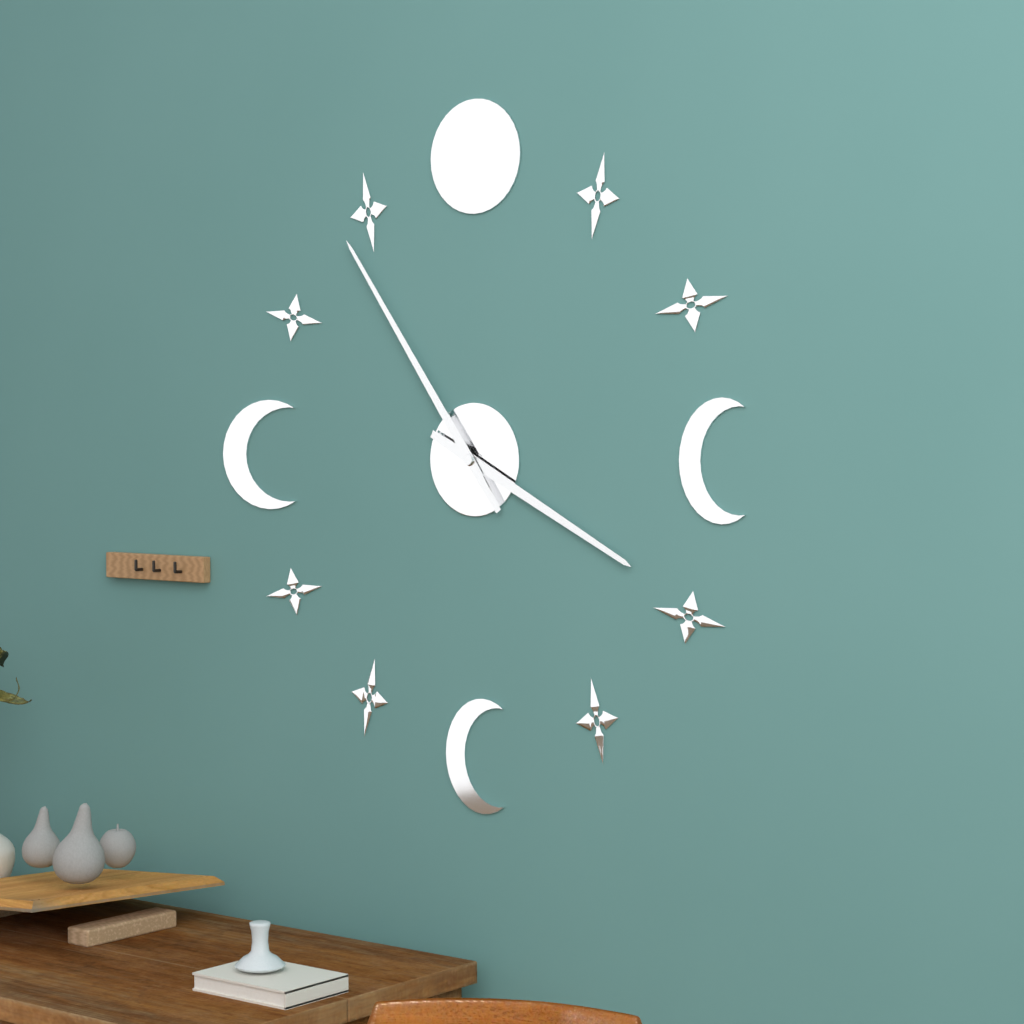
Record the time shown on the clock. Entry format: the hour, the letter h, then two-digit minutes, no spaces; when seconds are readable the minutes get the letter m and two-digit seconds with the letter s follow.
3h54
